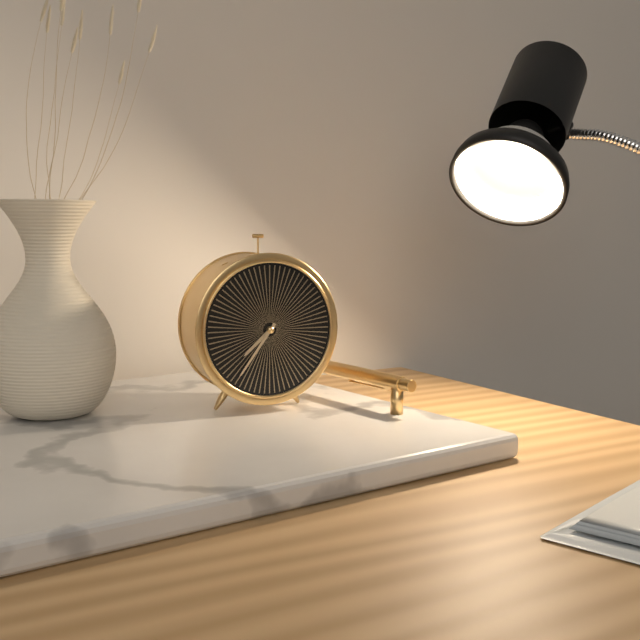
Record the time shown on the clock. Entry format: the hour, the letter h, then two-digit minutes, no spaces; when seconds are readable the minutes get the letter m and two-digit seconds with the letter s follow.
7h36
